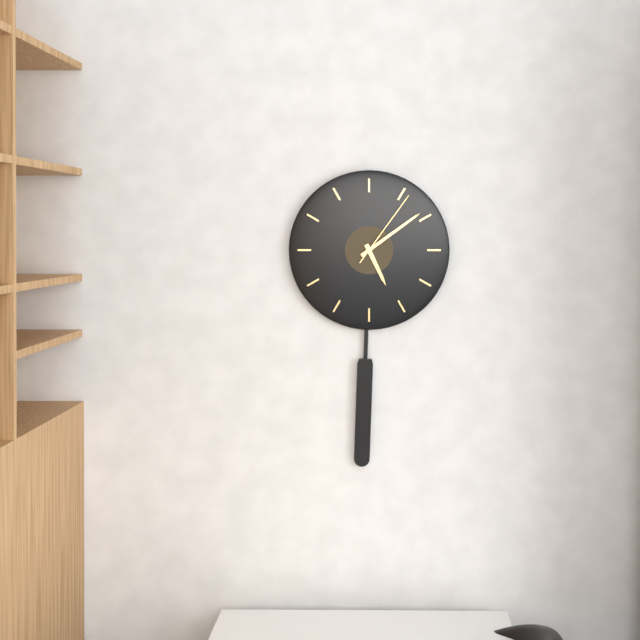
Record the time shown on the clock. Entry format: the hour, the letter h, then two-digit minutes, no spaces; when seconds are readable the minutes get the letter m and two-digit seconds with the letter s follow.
5h09m06s
